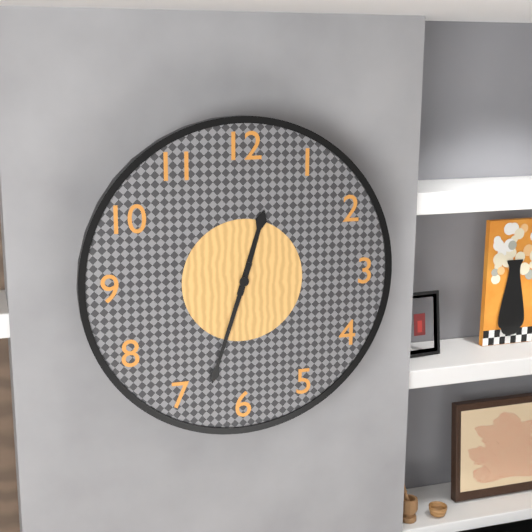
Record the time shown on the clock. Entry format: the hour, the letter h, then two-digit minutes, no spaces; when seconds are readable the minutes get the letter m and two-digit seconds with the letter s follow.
12h33
